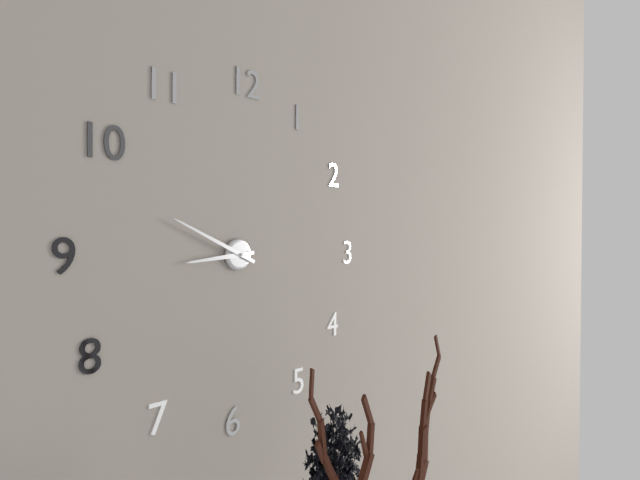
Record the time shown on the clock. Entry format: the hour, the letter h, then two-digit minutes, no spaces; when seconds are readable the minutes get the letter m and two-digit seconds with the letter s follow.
8h49
